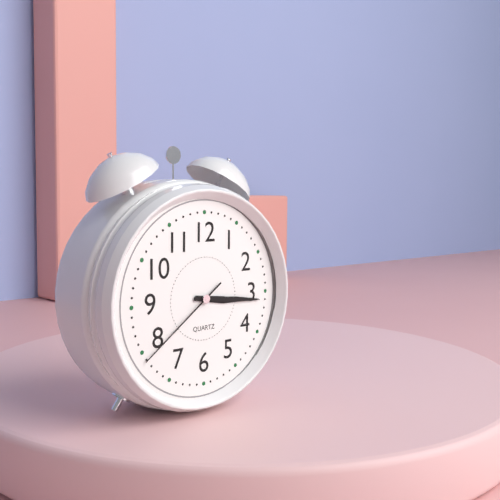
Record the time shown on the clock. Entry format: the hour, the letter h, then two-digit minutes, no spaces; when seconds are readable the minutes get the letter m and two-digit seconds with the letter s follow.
3h16m39s
